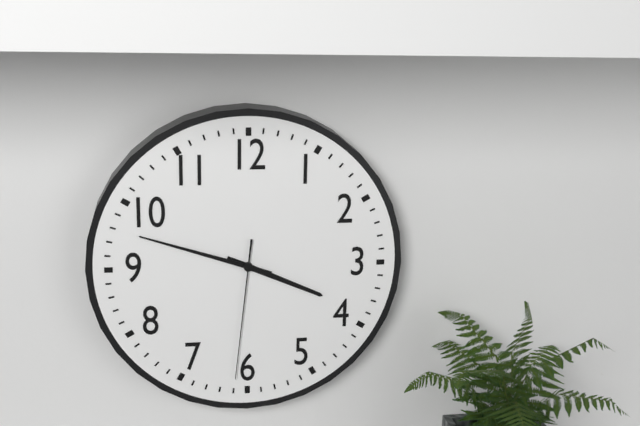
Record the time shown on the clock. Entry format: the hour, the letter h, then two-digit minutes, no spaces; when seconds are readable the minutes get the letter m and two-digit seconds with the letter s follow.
3h48m31s
